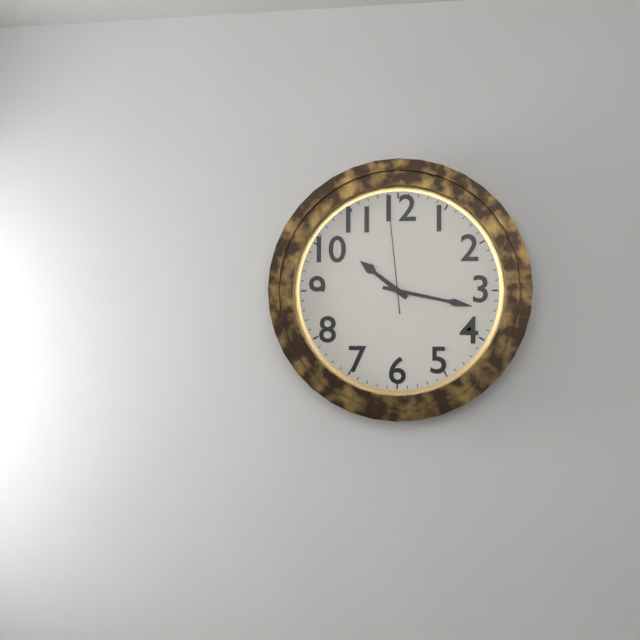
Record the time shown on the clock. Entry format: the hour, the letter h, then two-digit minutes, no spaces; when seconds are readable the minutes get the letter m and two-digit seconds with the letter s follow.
10h17m59s
